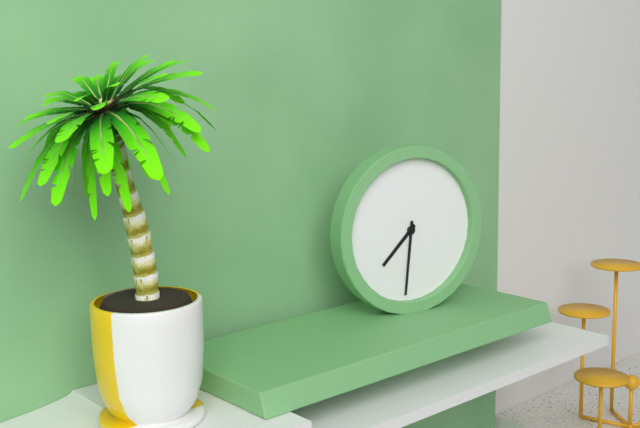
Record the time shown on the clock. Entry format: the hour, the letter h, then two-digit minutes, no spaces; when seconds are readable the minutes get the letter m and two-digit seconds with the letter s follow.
7h31
